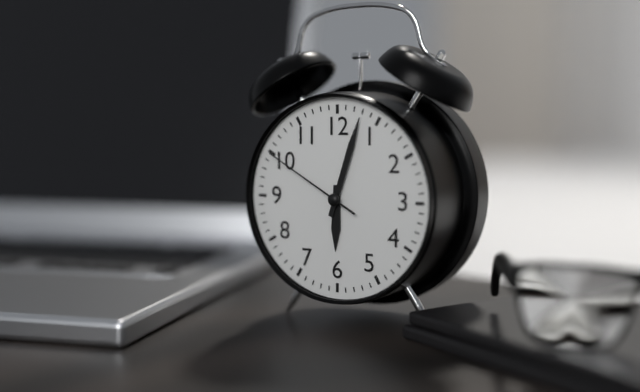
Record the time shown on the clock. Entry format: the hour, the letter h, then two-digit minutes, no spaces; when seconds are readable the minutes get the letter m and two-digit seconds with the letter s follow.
6h03m50s
